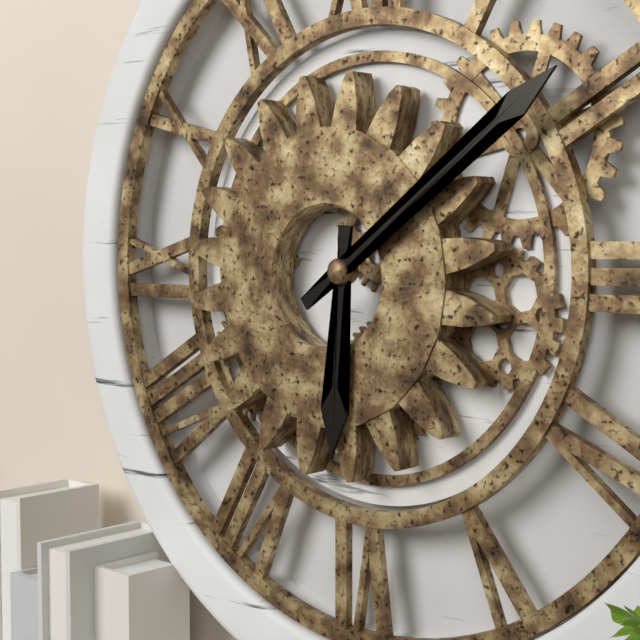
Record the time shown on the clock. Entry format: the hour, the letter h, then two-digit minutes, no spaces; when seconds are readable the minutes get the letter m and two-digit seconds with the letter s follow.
6h09
